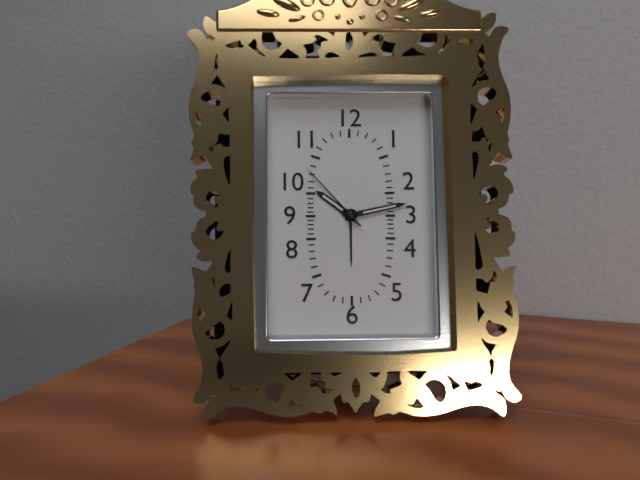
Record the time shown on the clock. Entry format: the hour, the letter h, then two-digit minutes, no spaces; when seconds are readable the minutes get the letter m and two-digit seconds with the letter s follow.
10h13m53s
